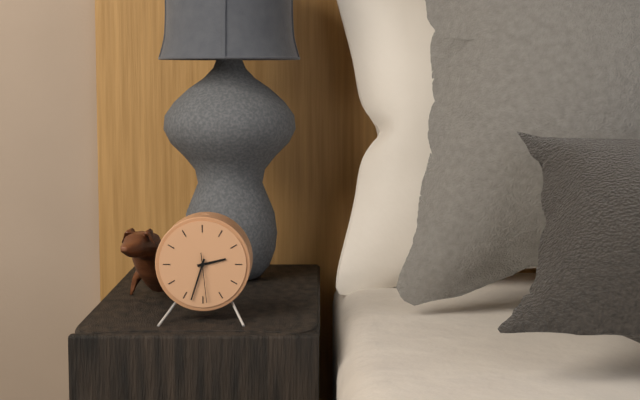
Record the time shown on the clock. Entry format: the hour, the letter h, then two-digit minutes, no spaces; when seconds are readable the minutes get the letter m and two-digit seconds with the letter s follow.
2h33
